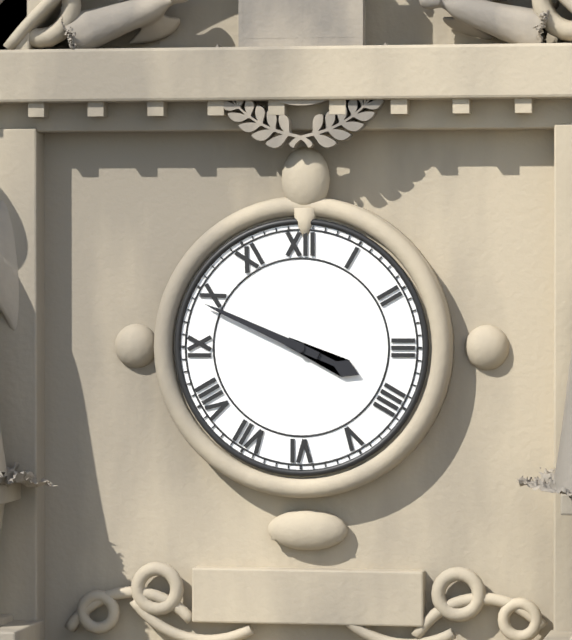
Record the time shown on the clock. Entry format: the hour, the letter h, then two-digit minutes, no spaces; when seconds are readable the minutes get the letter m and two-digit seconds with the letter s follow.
3h49
